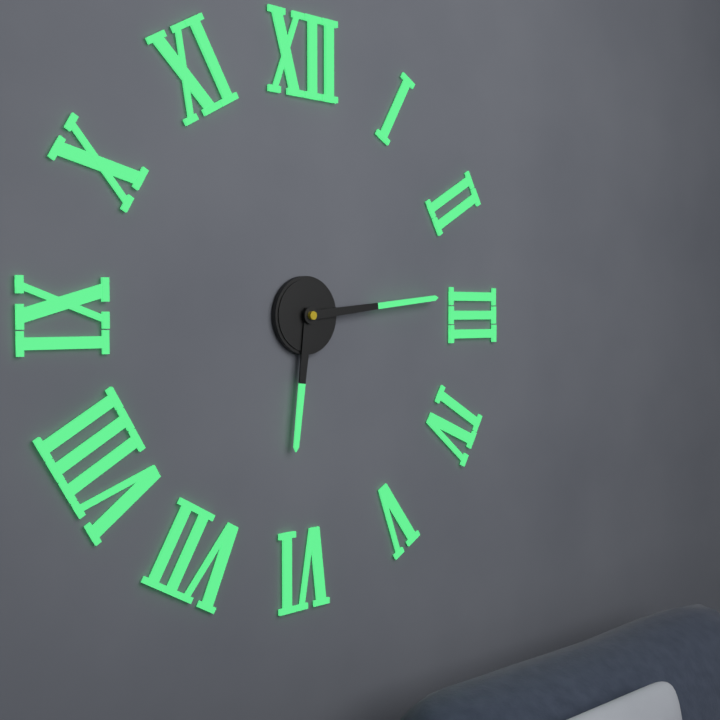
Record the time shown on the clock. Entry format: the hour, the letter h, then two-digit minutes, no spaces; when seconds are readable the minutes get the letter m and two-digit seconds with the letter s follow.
6h14
